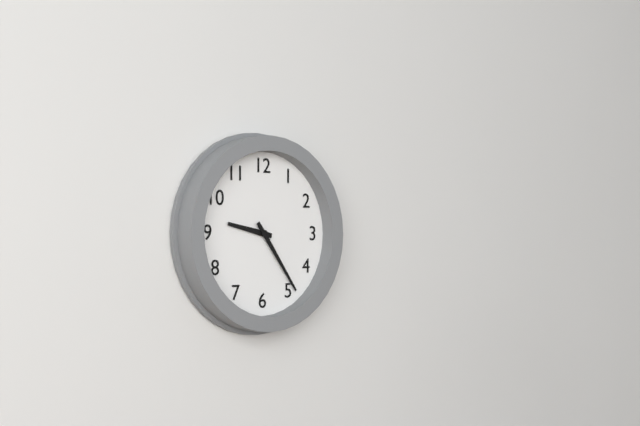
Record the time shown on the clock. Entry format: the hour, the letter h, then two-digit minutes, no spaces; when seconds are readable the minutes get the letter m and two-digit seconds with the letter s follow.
9h24
